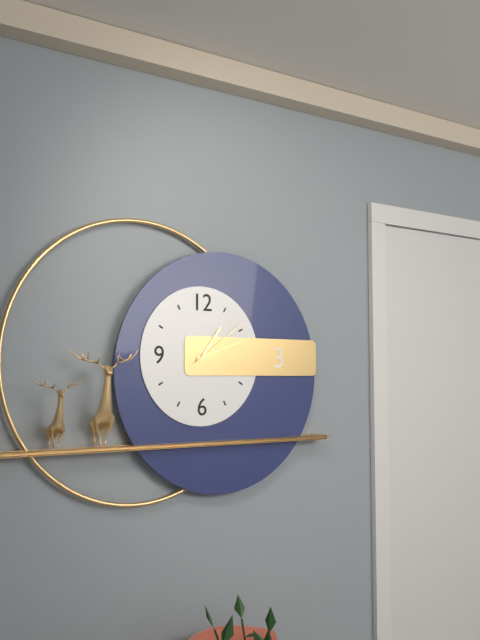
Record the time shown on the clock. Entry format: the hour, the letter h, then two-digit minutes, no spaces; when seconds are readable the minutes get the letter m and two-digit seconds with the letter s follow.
1h12m09s
